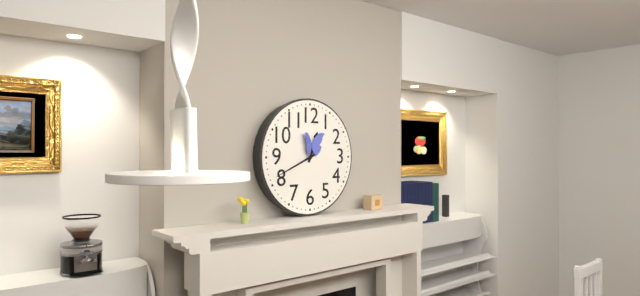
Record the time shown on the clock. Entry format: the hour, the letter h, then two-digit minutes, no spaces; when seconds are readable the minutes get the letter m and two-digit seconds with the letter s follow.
12h41
